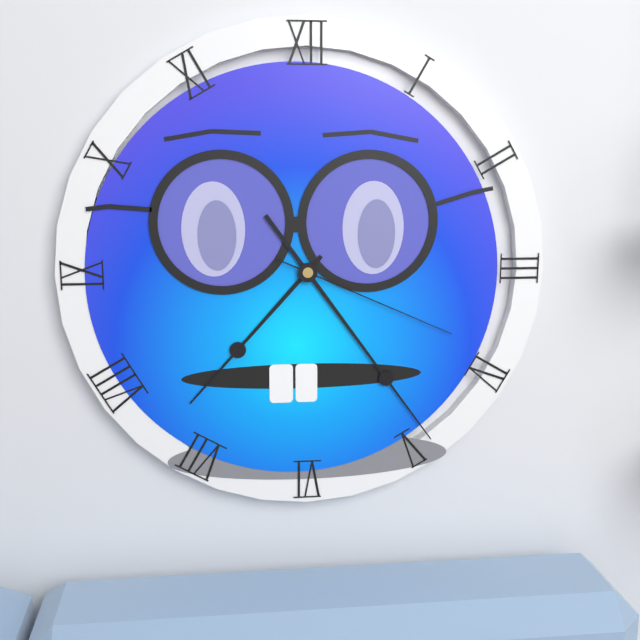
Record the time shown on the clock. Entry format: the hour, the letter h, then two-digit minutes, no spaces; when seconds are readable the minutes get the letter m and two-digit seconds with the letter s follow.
7h24m19s
